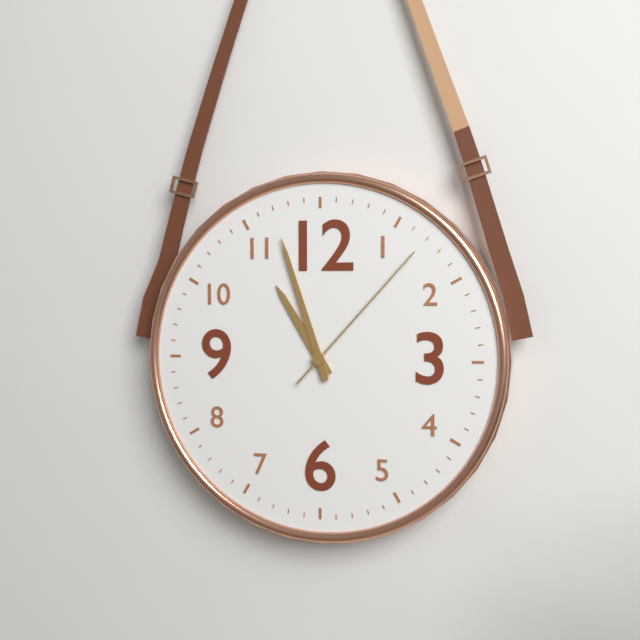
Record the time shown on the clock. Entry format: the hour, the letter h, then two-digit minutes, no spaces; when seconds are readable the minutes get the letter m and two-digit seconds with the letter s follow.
10h57m07s
